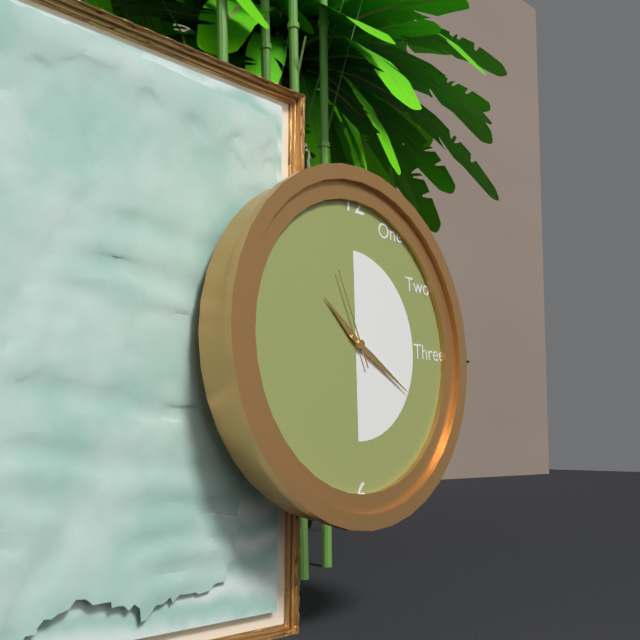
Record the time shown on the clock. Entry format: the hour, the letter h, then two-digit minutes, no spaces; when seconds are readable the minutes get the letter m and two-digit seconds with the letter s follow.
10h20m56s
